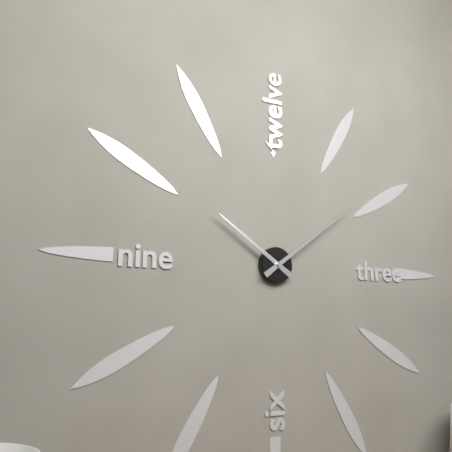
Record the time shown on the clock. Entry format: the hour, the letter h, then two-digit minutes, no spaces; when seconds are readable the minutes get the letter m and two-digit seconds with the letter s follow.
10h09
